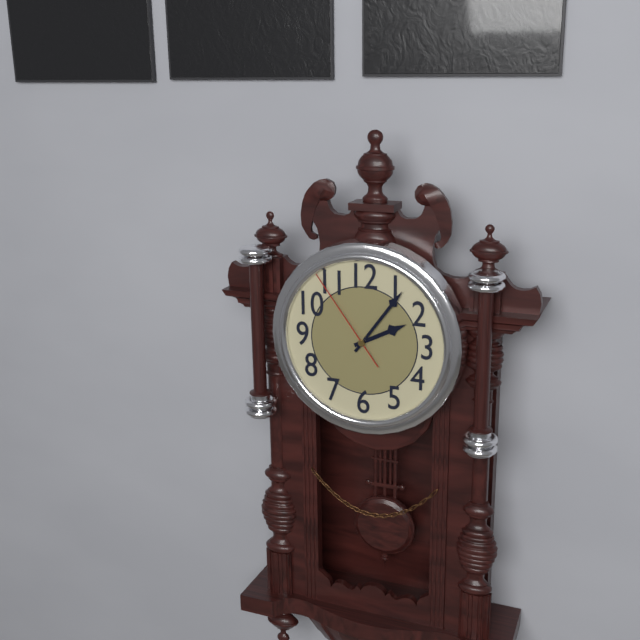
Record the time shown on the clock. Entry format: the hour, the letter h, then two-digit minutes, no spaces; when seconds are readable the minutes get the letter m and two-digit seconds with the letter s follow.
2h06m54s
